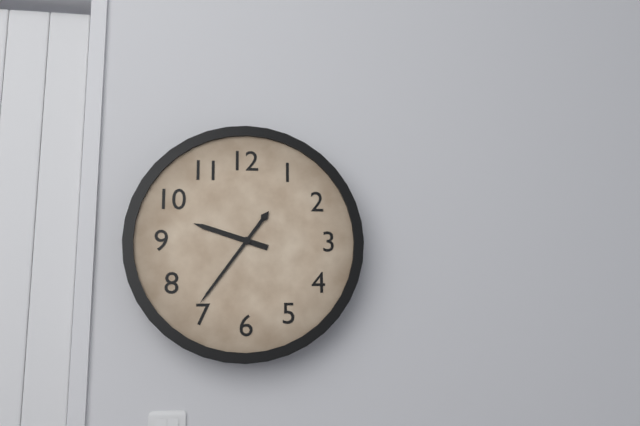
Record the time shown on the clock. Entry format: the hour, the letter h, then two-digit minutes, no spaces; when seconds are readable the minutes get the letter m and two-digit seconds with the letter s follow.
9h36
